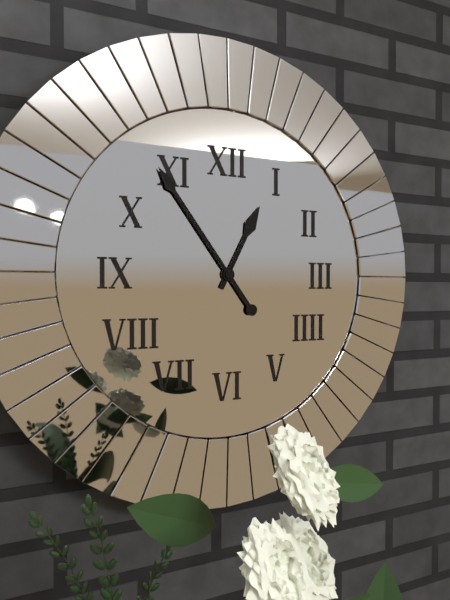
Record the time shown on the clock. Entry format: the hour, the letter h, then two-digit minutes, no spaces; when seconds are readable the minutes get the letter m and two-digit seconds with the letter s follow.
12h54
